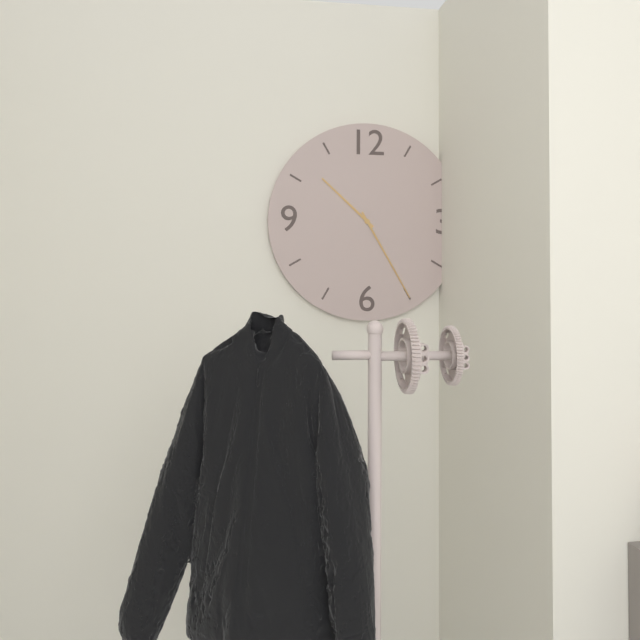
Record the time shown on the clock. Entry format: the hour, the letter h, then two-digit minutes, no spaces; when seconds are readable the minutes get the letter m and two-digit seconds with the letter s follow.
10h25
